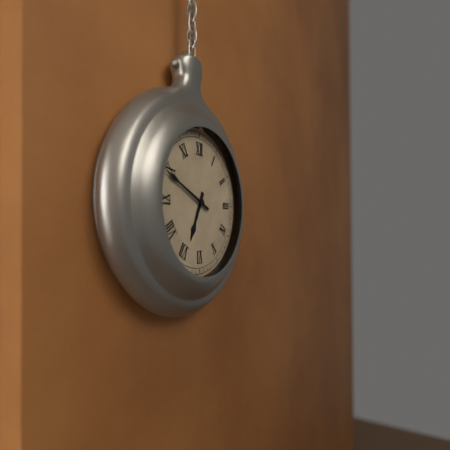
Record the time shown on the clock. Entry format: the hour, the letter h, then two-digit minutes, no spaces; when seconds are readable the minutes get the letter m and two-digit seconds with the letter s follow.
6h49
